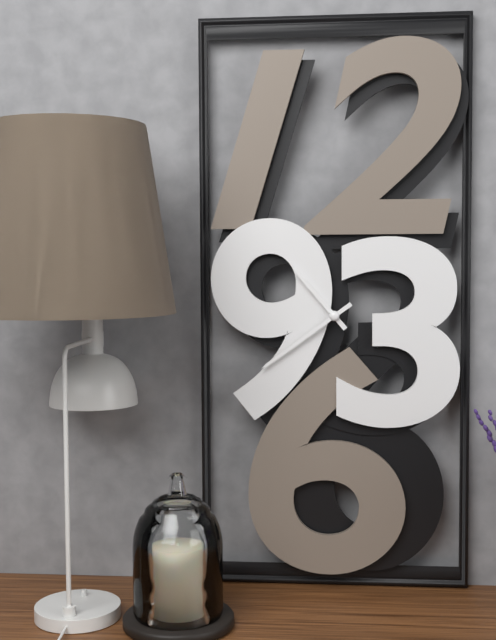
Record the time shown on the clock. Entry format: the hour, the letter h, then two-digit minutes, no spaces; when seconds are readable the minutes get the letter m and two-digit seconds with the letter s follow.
10h39
